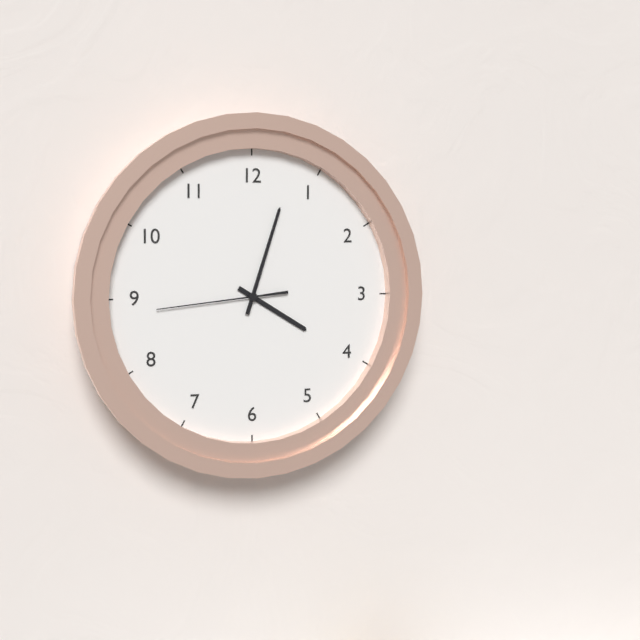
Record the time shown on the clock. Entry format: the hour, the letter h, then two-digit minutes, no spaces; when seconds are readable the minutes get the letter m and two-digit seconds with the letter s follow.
4h03m44s
